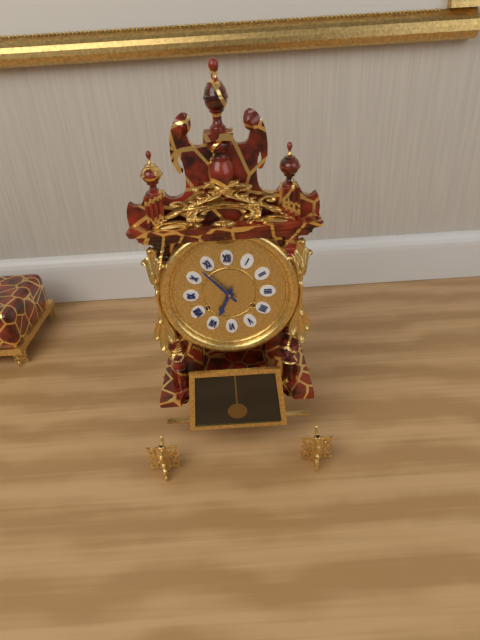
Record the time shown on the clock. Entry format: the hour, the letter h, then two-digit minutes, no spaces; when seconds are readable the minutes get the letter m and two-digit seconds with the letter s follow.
6h53
